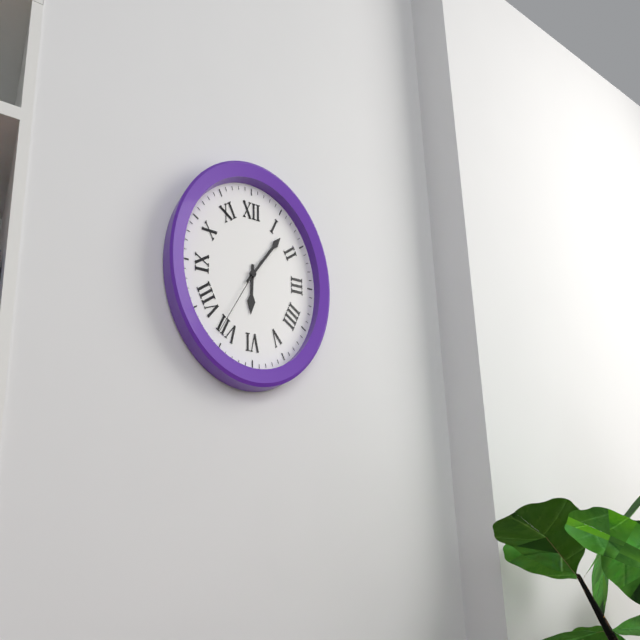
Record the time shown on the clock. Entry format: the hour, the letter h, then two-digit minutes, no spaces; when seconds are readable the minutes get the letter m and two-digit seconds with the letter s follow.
6h07m36s
